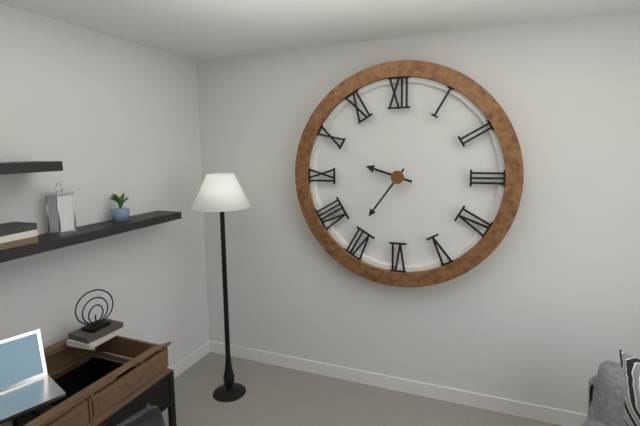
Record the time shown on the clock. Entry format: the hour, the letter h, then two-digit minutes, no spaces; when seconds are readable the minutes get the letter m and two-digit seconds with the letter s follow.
9h36
